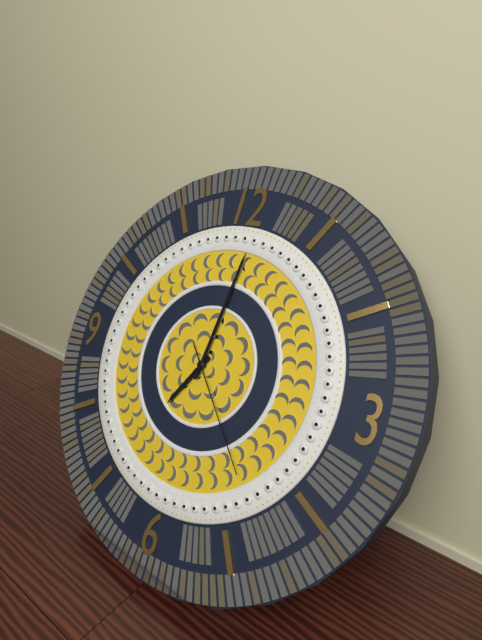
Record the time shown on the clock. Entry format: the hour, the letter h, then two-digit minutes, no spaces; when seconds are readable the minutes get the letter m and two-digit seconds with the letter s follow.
7h01m23s
